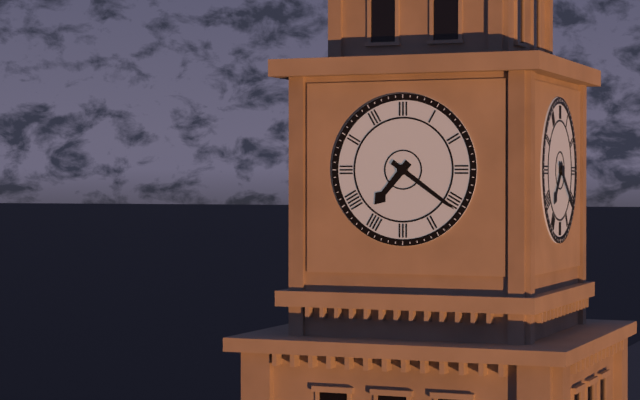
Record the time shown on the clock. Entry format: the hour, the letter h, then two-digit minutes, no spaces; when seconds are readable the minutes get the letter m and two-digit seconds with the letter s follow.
7h21
